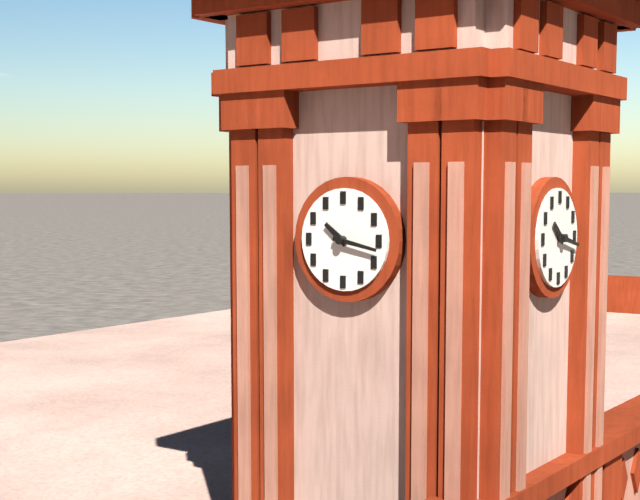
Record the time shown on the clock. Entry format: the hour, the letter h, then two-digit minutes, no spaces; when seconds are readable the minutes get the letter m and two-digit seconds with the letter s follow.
10h17
